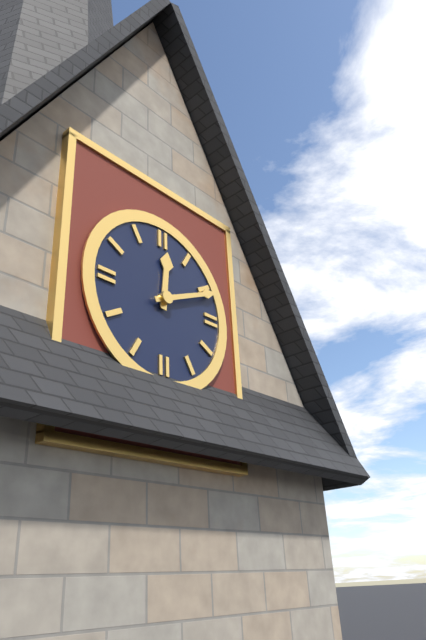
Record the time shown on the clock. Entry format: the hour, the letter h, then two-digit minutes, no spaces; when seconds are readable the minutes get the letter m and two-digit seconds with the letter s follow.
12h11
